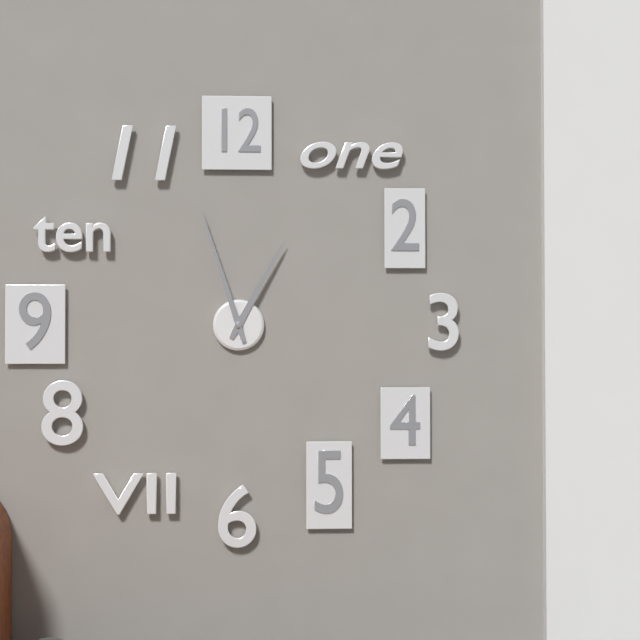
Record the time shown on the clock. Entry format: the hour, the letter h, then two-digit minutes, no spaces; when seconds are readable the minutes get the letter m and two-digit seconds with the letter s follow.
12h57
